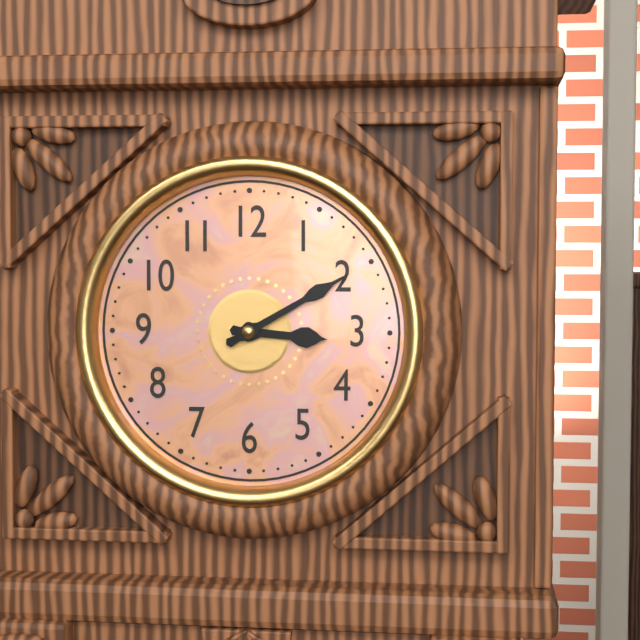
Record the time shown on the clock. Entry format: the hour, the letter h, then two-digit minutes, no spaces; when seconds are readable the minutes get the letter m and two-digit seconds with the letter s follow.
3h10
